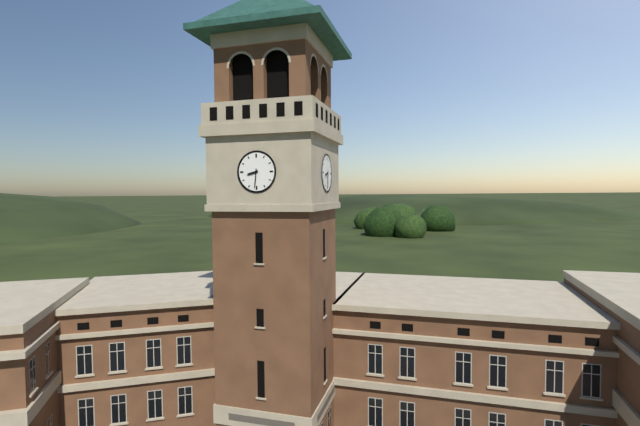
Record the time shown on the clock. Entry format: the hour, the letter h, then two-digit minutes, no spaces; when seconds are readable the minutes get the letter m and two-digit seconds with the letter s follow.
8h31
